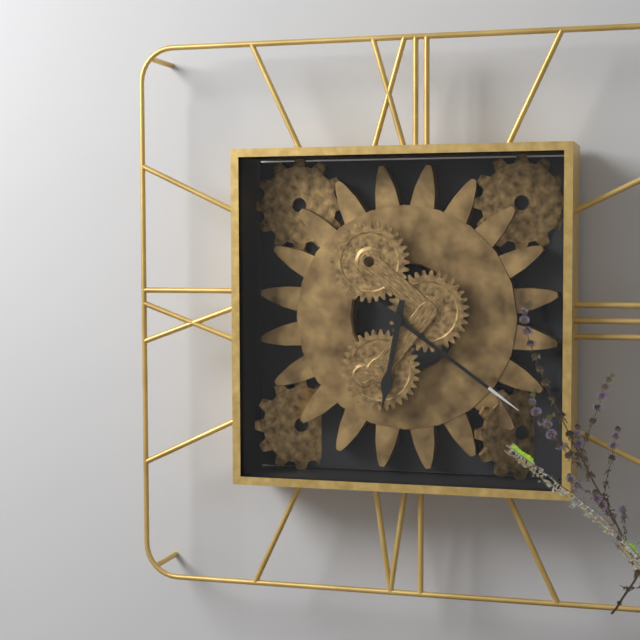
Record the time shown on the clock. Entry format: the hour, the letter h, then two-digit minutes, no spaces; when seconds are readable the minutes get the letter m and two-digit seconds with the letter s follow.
6h21
